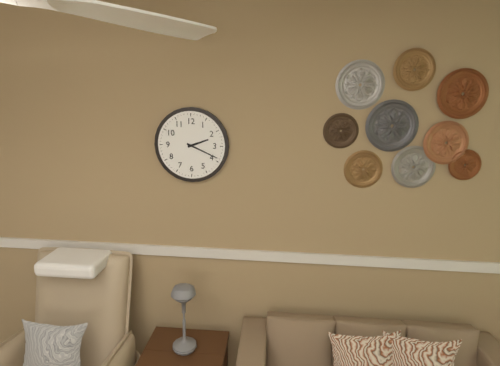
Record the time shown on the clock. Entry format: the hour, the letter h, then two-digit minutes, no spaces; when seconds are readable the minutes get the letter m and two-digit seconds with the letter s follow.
2h19
